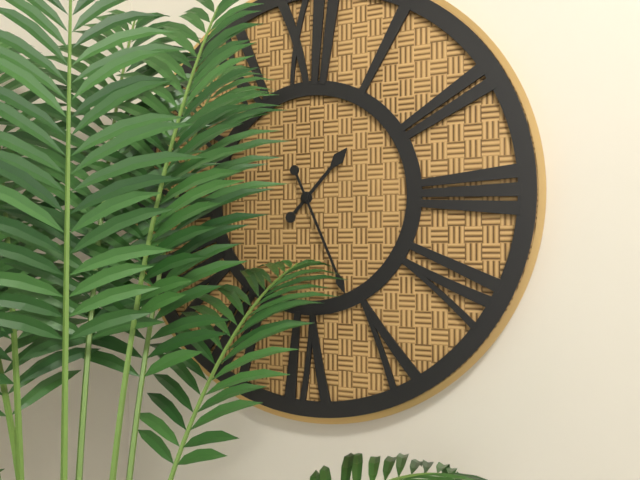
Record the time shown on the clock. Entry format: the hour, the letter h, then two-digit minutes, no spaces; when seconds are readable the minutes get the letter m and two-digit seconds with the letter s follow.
1h26
